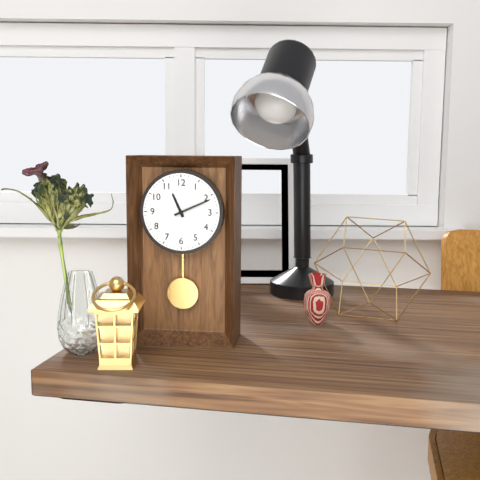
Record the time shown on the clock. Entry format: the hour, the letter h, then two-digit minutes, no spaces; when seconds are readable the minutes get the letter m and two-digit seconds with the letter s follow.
11h11
